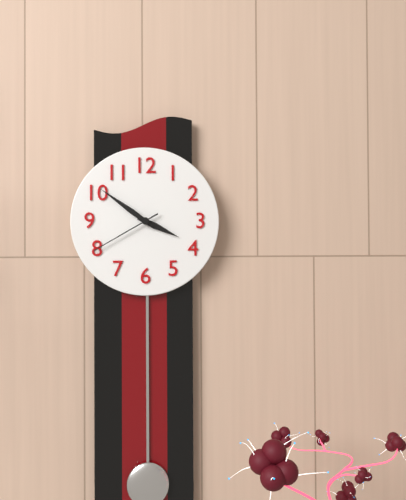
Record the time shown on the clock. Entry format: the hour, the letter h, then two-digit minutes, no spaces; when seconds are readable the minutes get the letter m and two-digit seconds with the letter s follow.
3h51m40s
